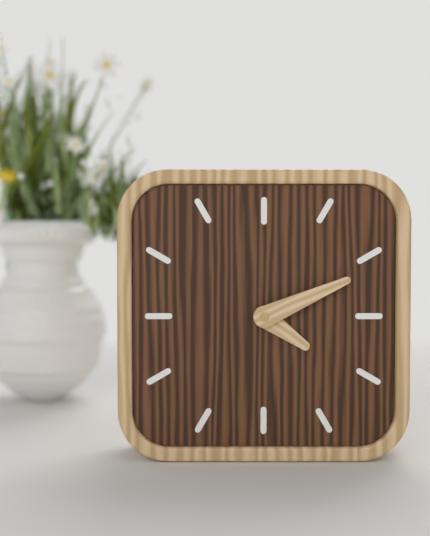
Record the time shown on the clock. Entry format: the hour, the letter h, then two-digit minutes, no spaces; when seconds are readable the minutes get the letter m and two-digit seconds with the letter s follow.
4h11
